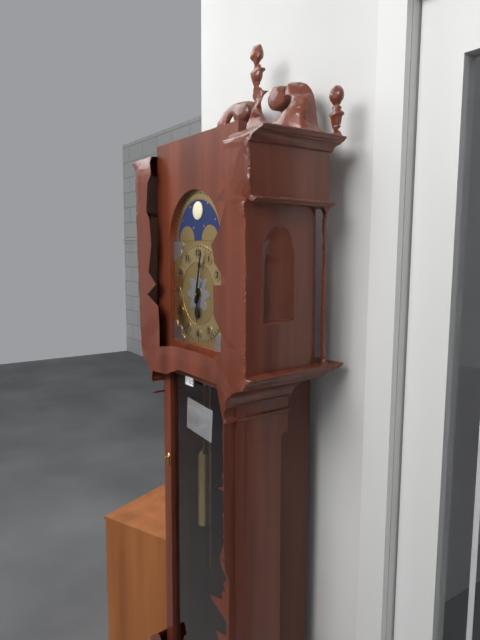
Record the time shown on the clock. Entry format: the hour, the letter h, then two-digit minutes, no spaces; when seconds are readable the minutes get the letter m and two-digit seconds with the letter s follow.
6h02
